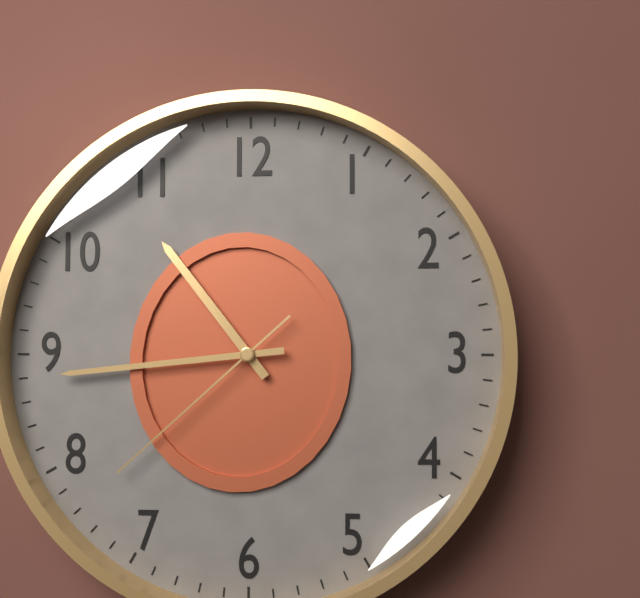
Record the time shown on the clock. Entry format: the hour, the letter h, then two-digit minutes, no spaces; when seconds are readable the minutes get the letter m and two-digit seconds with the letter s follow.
10h44m38s
